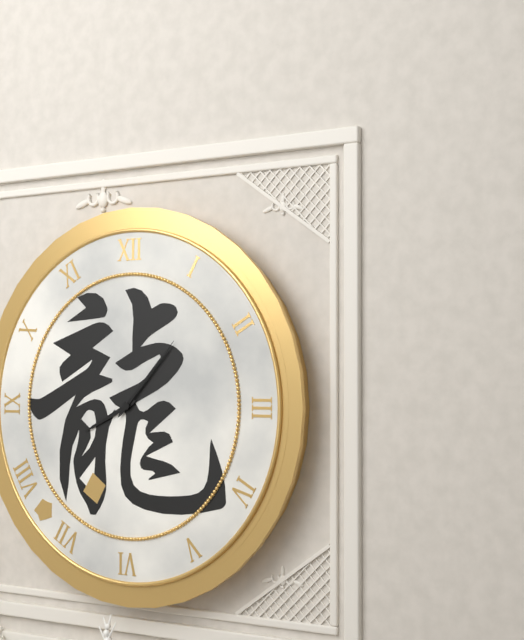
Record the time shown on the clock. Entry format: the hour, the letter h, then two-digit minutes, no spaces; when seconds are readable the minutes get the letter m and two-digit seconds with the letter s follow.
8h07
